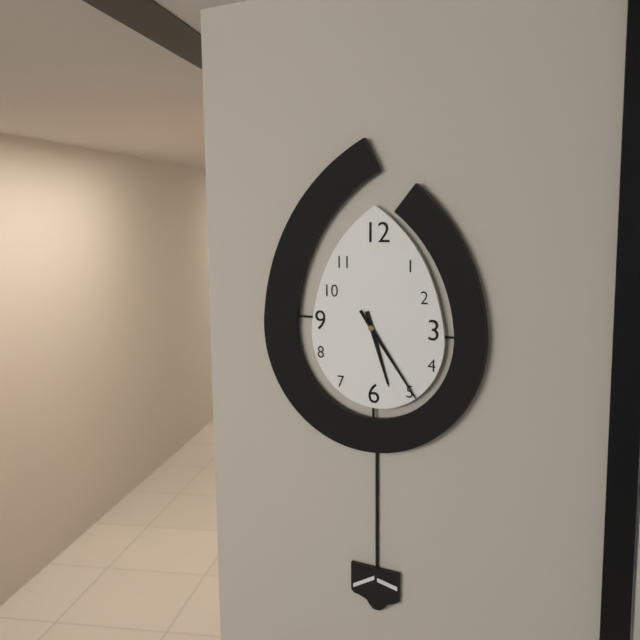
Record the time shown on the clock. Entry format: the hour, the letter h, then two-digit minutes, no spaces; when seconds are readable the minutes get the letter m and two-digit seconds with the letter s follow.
5h24
